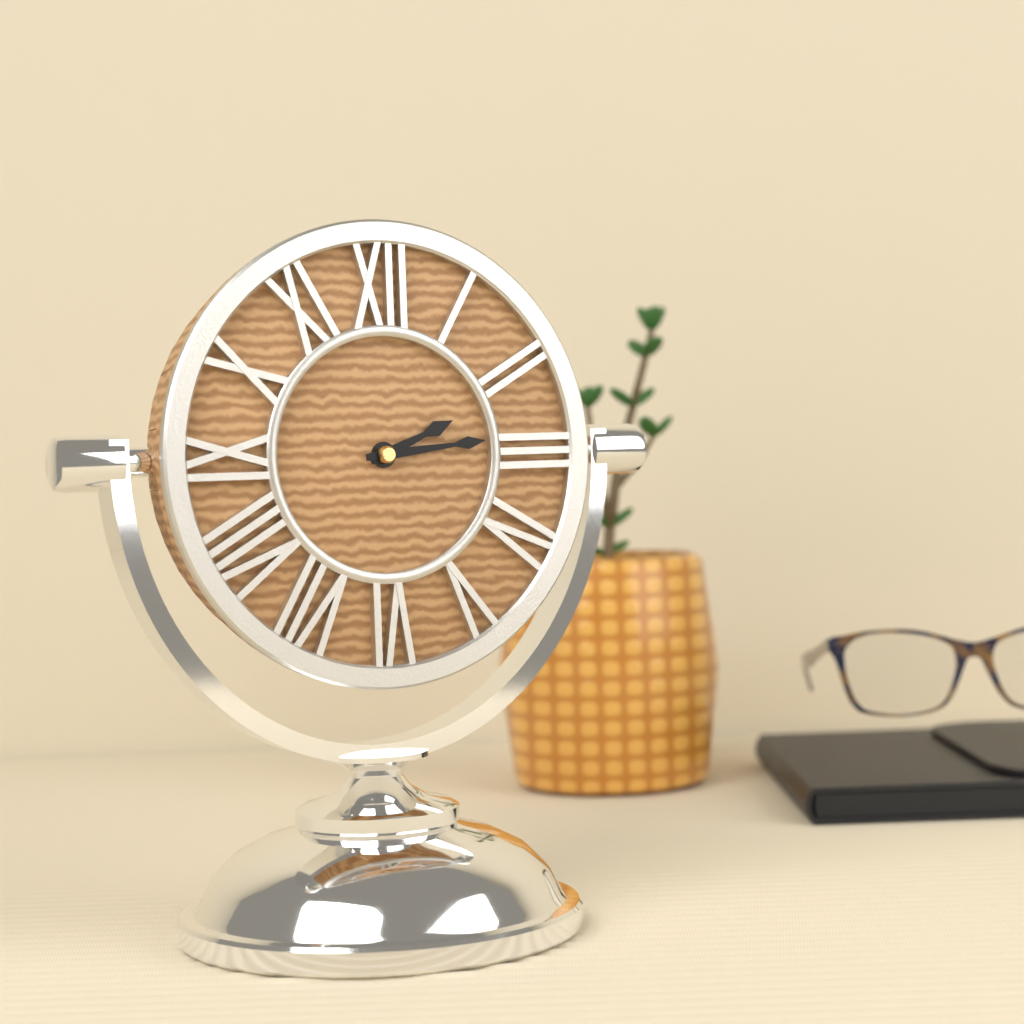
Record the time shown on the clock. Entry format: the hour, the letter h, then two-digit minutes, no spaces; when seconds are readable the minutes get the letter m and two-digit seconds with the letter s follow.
2h14
